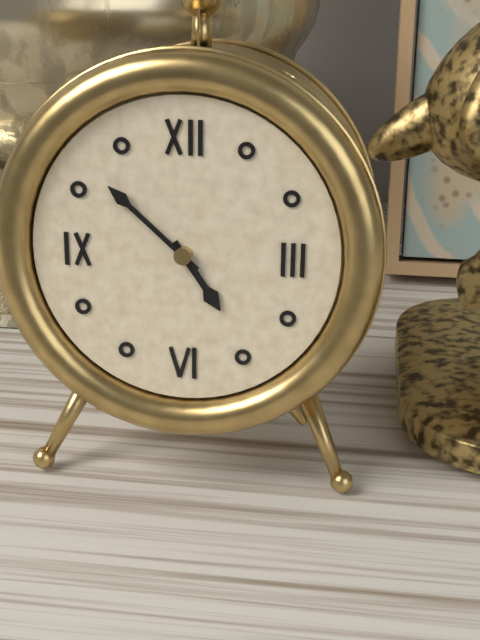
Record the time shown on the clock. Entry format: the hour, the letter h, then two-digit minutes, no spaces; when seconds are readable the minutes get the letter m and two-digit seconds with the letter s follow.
4h52
